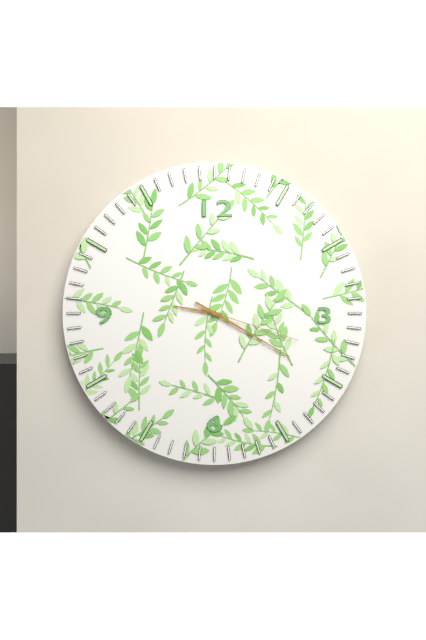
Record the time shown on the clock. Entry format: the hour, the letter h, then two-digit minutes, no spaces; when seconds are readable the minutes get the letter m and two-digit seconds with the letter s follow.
9h20m18s
